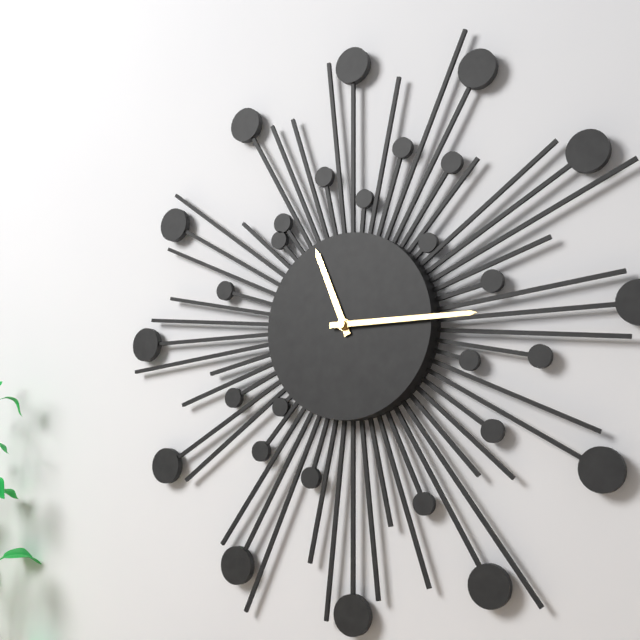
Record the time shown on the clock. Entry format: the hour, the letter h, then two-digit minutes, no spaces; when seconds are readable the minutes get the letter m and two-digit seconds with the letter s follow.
11h15
